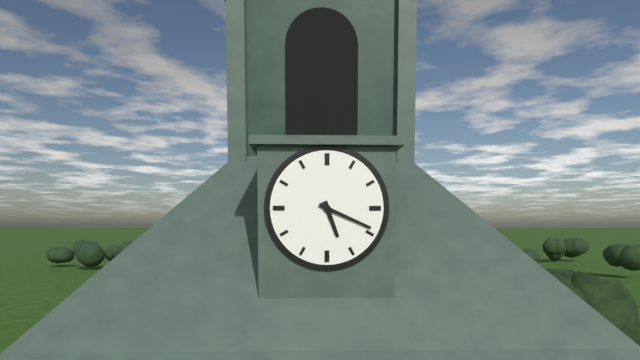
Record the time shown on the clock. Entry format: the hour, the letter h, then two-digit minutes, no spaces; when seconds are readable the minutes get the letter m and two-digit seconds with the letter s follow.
5h19
